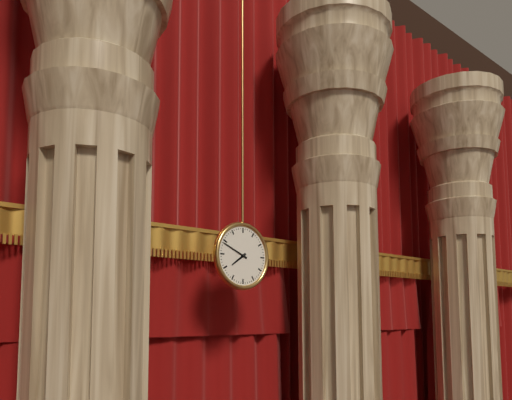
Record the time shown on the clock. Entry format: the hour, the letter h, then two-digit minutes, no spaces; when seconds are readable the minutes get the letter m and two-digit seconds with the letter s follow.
7h49
